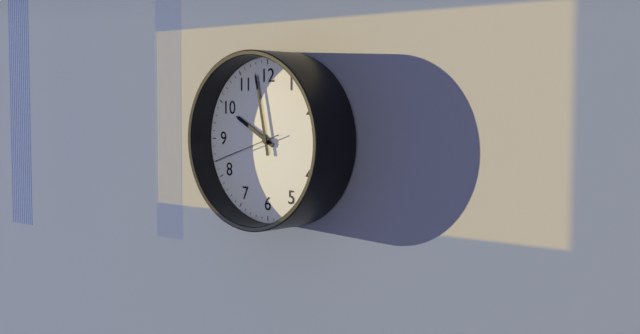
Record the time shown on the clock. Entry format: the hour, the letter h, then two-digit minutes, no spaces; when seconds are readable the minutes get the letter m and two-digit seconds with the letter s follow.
9h58m42s
